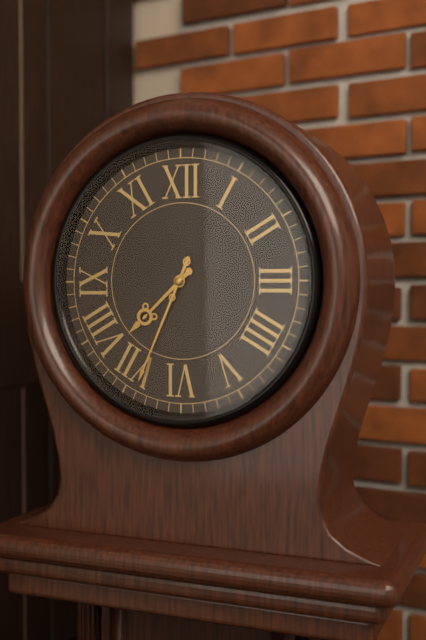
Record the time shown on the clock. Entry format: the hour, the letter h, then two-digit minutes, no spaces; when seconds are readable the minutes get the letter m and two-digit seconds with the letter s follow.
7h34
